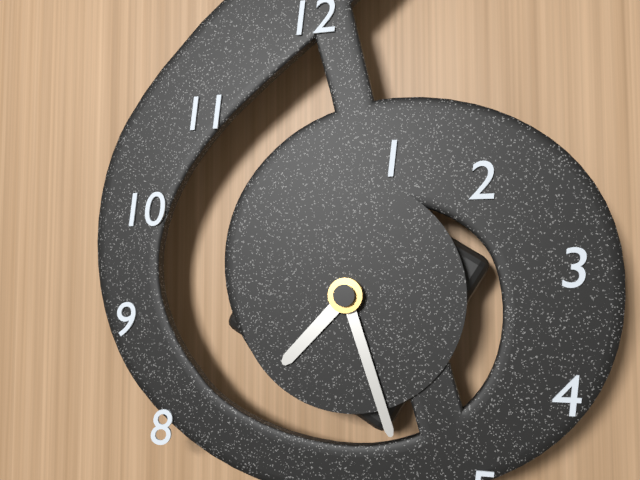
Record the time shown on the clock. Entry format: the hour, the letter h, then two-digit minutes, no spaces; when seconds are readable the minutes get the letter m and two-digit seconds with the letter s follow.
7h27
